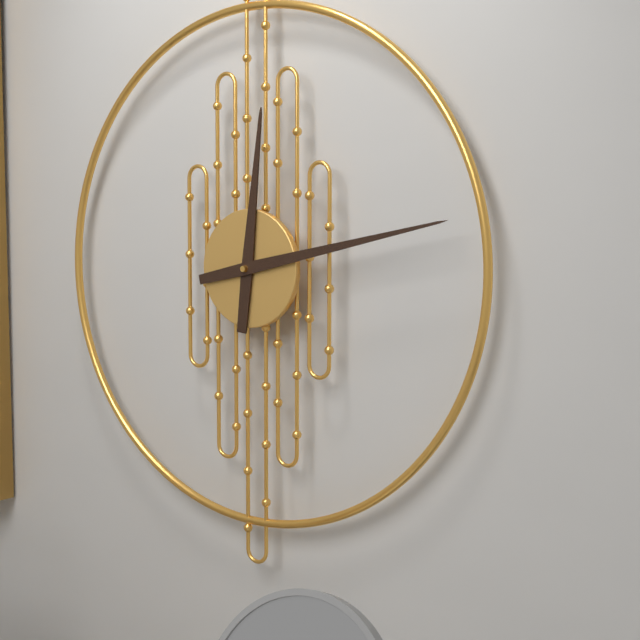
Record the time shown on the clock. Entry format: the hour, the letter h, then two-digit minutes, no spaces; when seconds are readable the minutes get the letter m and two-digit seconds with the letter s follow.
12h13
